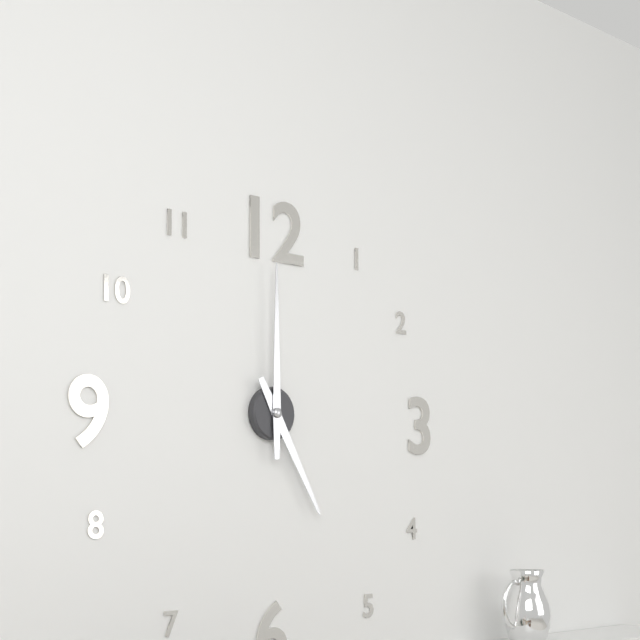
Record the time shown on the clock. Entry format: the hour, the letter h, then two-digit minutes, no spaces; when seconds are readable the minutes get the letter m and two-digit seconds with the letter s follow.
5h00
